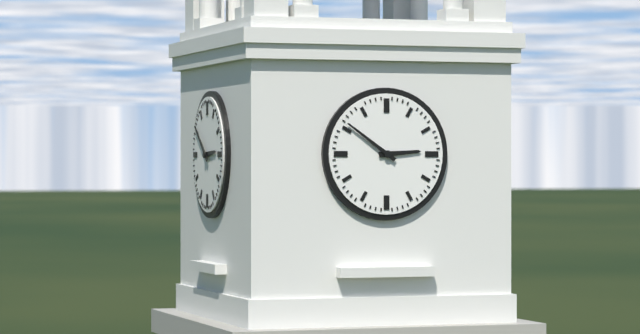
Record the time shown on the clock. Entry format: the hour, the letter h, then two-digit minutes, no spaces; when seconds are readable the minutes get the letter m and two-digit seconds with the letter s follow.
2h51
